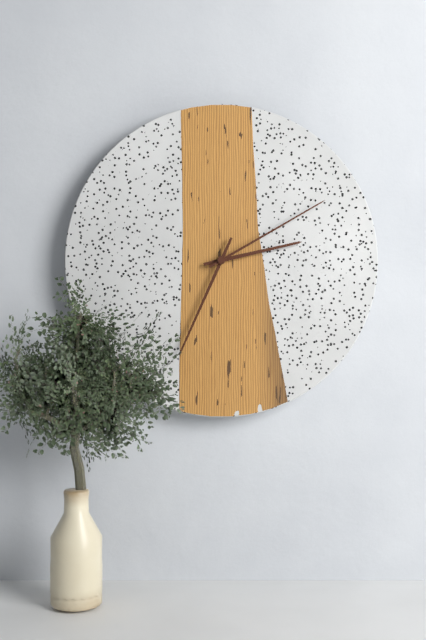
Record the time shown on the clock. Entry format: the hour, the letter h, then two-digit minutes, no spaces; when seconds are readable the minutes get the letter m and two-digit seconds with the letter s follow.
2h34m10s
